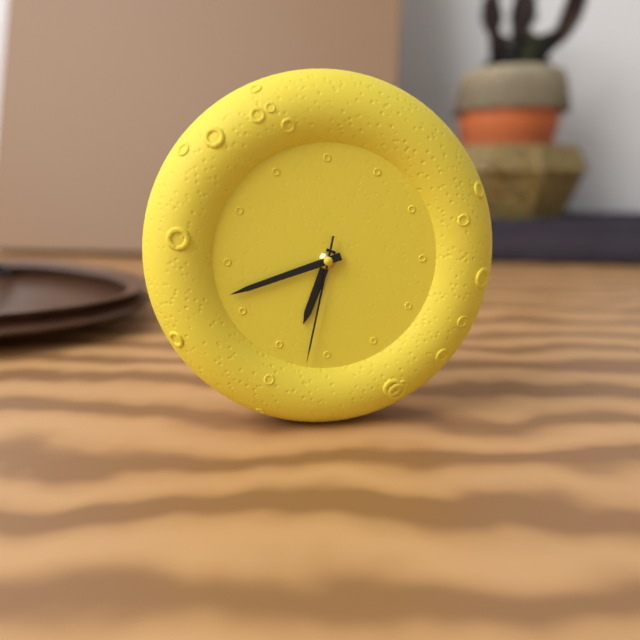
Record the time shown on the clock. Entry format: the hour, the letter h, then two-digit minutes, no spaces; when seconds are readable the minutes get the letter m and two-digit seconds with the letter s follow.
6h42m32s
